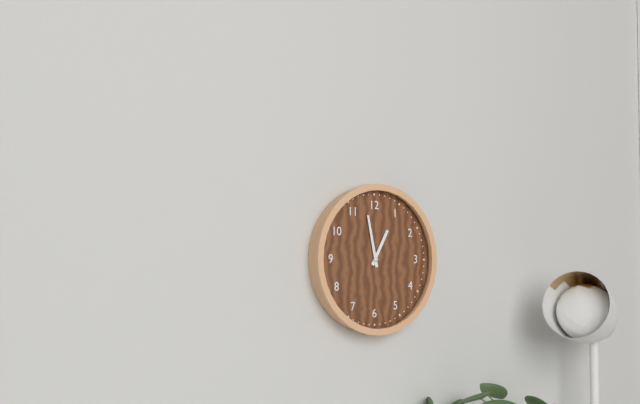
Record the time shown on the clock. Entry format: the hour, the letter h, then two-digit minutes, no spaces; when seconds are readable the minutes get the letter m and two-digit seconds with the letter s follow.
12h58
